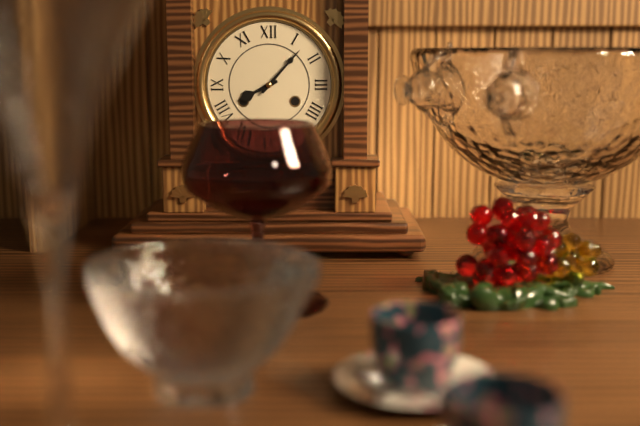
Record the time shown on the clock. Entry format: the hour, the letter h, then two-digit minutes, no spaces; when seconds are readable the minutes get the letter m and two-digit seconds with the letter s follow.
8h07
